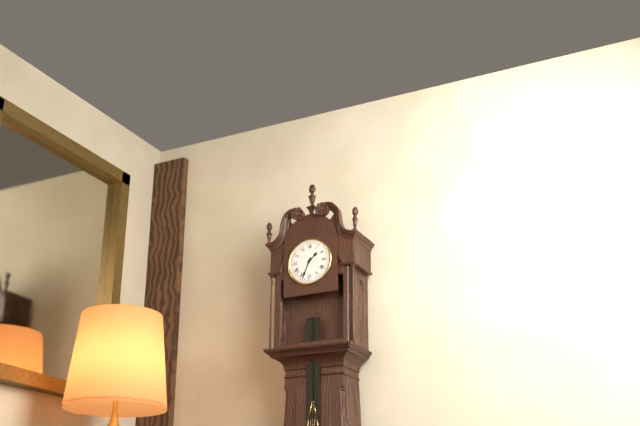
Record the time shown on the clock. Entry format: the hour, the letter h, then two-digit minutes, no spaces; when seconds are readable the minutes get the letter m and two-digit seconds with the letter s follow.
1h34
